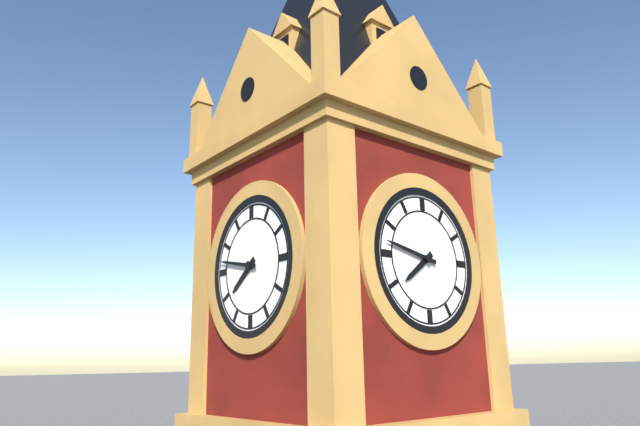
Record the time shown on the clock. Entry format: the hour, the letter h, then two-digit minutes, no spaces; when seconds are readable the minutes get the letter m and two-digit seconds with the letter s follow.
7h47
